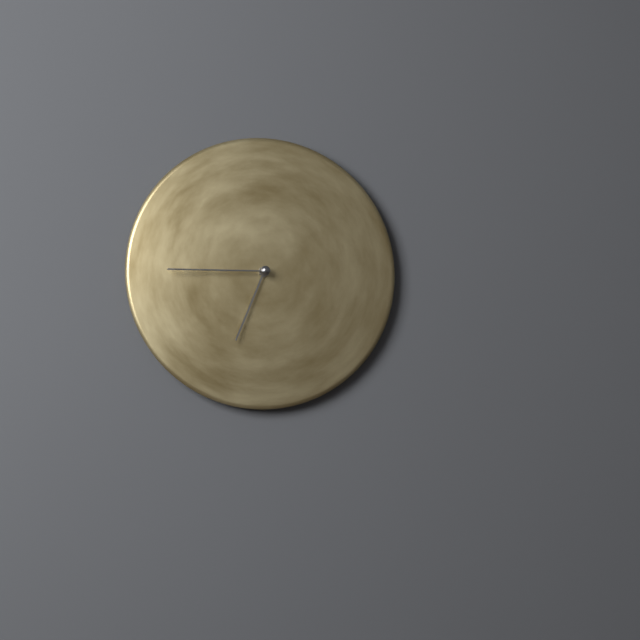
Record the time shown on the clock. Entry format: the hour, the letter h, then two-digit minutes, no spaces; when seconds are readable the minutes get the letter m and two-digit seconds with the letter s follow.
6h45m45s
